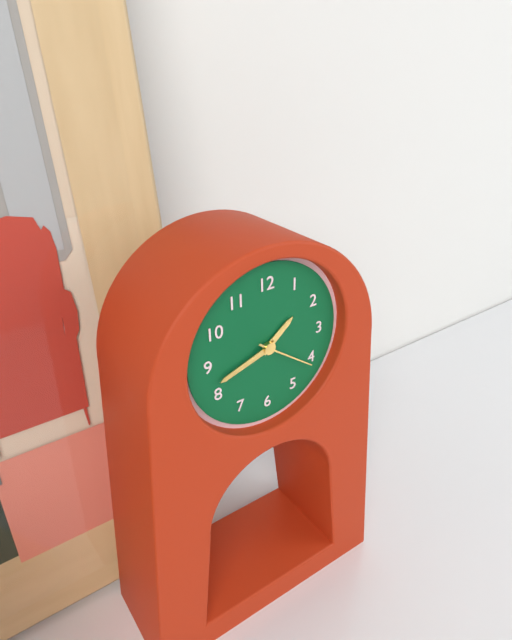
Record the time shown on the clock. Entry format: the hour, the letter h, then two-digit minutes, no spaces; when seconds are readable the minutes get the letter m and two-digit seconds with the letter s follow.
1h42
